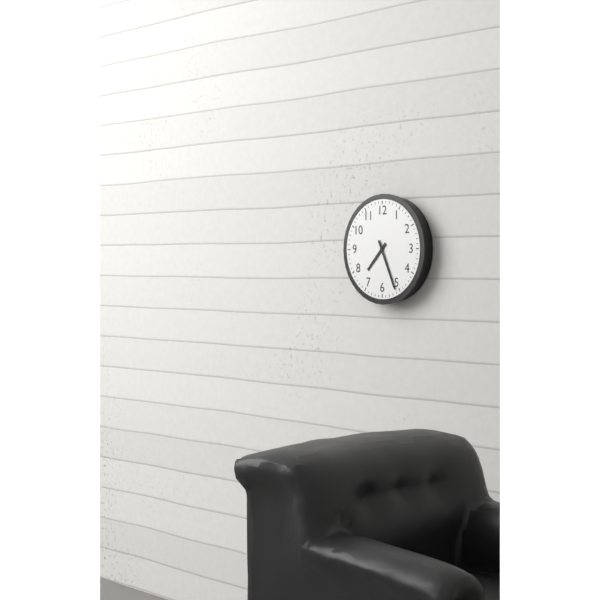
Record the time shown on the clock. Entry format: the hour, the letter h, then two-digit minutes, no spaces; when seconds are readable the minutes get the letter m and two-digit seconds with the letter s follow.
7h26
